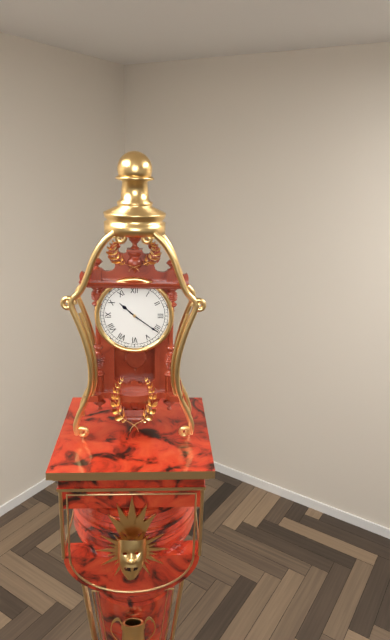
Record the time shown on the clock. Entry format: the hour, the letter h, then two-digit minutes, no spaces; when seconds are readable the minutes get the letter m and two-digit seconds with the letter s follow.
10h21
